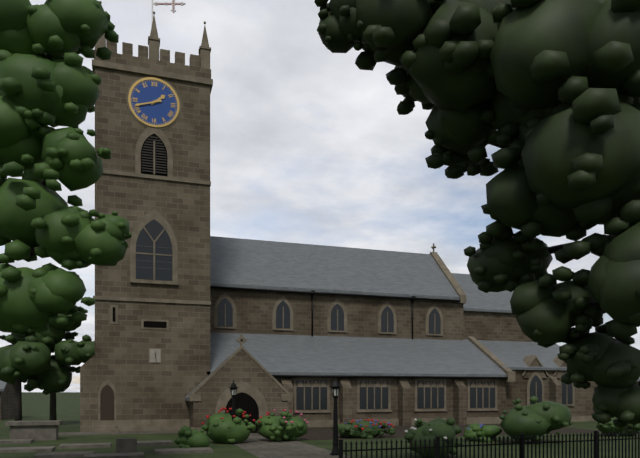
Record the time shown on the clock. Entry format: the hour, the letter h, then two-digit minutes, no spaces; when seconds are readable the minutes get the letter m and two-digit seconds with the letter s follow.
1h42
